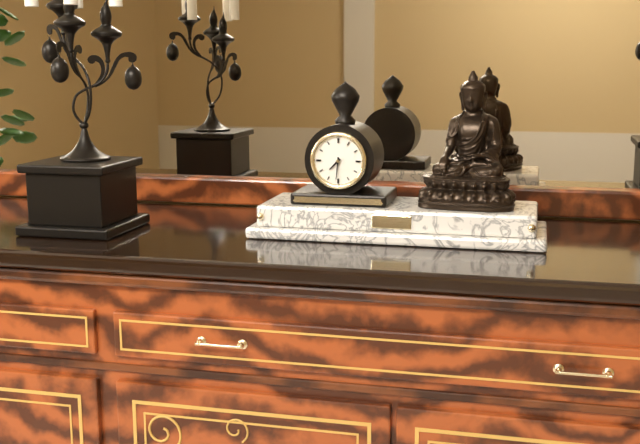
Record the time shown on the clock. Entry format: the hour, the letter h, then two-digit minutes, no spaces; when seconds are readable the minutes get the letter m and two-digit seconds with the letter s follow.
7h31
